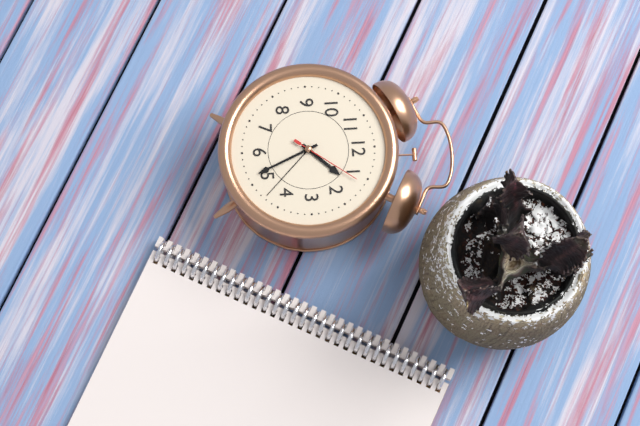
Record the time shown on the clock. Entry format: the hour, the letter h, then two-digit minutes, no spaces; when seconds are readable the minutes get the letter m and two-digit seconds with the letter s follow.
1h26m06s
